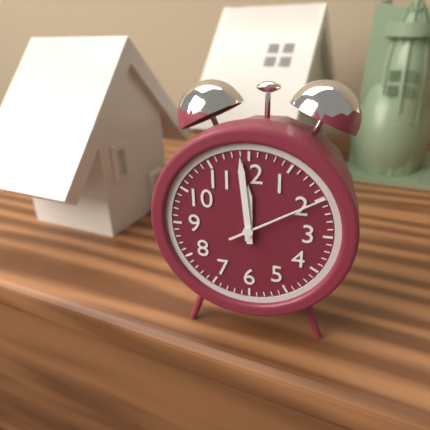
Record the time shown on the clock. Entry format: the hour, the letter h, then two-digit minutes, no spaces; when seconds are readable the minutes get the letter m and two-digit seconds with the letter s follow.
11h59m10s
